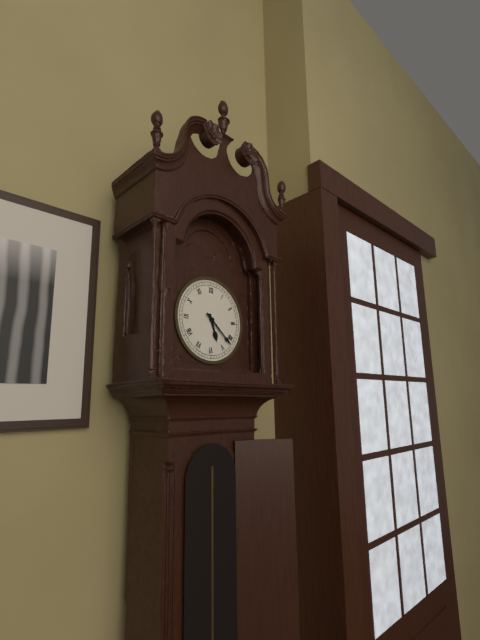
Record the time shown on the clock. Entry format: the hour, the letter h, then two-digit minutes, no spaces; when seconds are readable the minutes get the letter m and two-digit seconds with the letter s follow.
5h22
